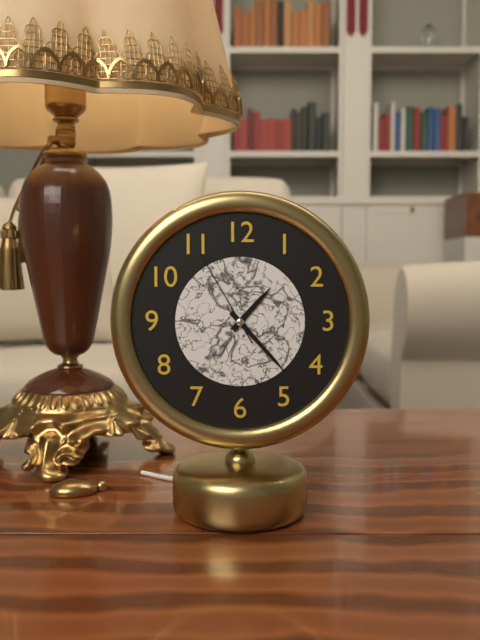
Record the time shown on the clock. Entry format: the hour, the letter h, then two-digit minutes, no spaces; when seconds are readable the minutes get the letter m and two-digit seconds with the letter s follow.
1h23m55s
